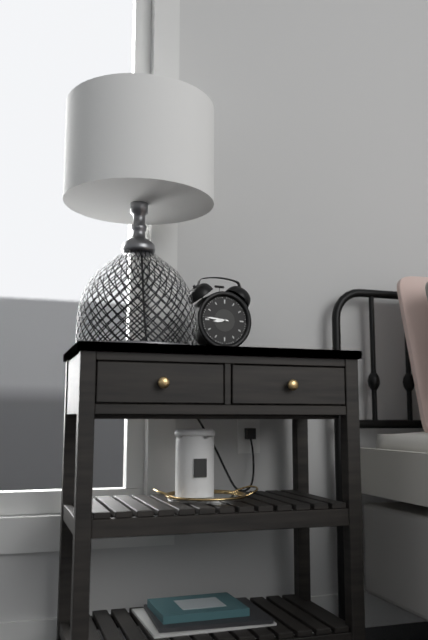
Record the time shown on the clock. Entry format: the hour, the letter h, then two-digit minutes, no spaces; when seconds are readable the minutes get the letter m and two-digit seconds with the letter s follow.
8h46
